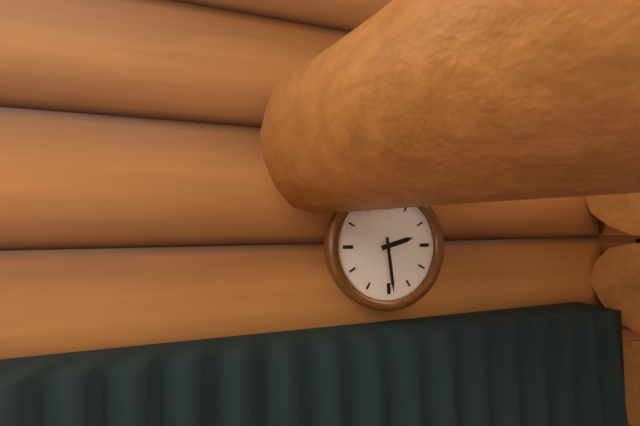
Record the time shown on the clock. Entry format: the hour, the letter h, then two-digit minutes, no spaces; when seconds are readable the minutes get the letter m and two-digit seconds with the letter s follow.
2h29
